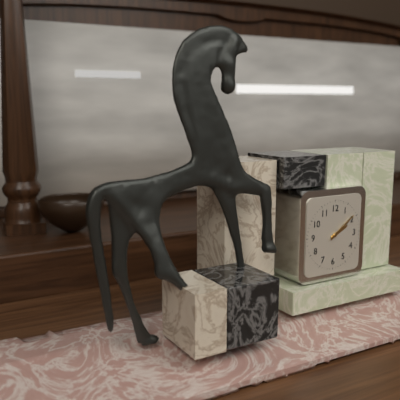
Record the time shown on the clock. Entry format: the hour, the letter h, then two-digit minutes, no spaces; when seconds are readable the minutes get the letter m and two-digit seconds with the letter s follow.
2h09
